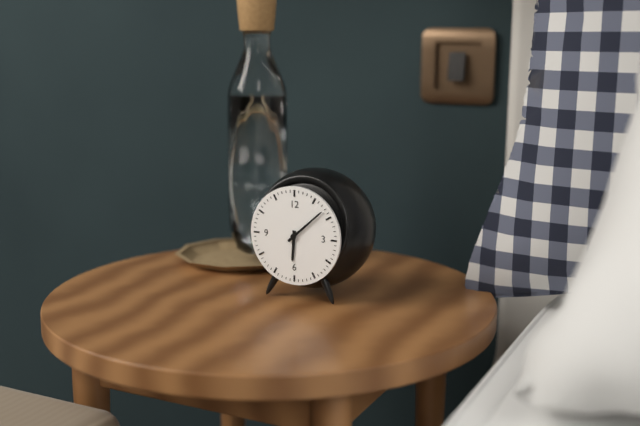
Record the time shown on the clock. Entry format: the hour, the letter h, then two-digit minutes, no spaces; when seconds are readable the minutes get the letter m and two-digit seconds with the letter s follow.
6h08
